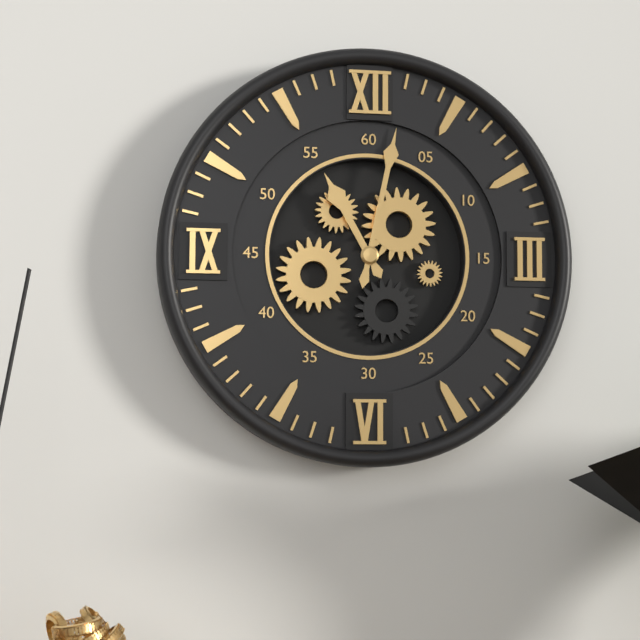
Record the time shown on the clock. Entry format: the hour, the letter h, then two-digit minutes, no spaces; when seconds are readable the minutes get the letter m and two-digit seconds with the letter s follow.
11h02
